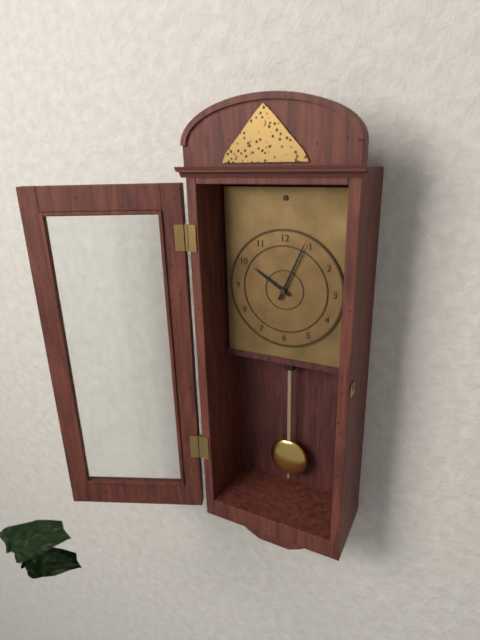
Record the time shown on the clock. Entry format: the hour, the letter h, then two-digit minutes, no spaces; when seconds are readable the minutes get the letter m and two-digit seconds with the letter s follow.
10h04
